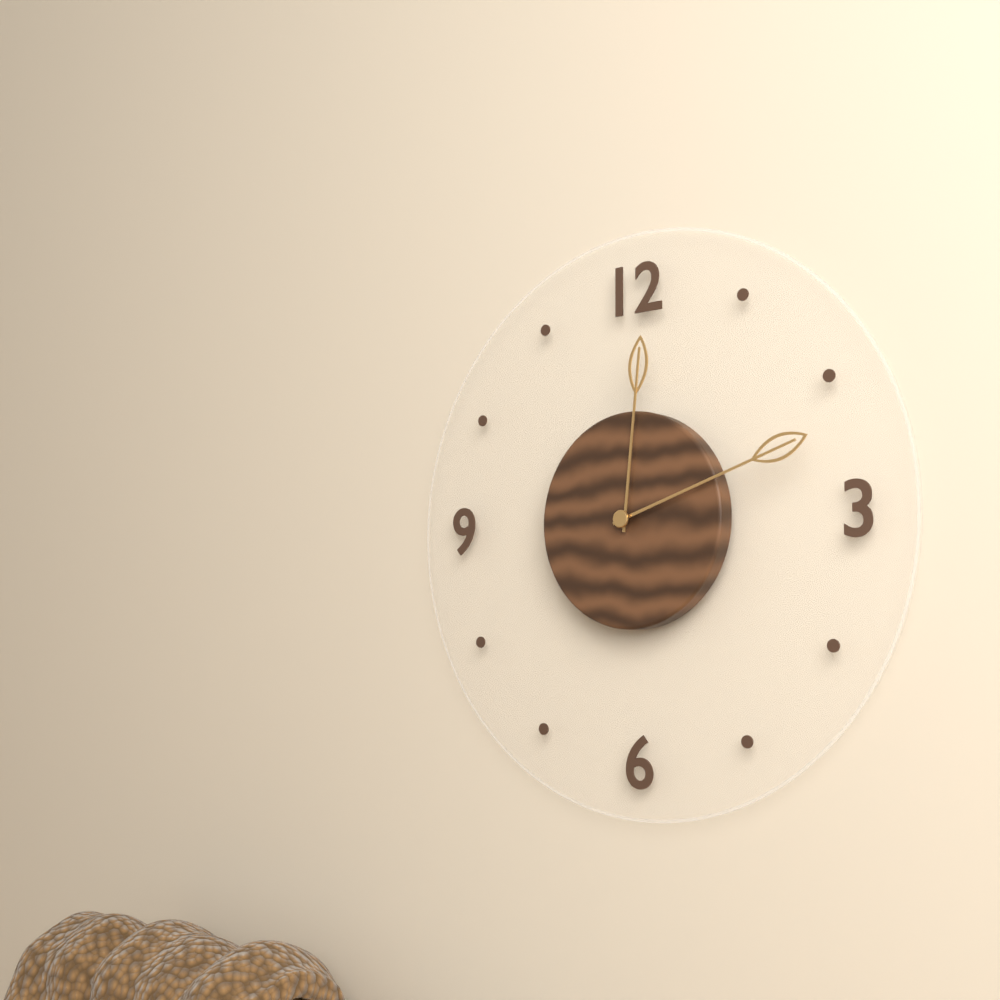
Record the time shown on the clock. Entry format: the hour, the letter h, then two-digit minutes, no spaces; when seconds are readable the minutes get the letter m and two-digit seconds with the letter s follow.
12h12
